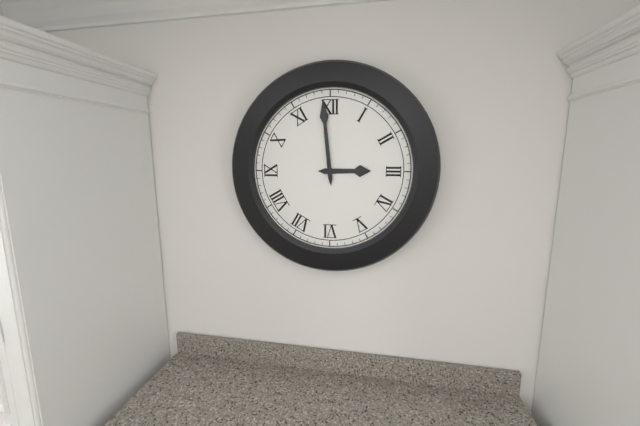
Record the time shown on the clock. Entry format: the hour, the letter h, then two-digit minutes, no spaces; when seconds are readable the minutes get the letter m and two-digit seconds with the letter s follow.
2h59
